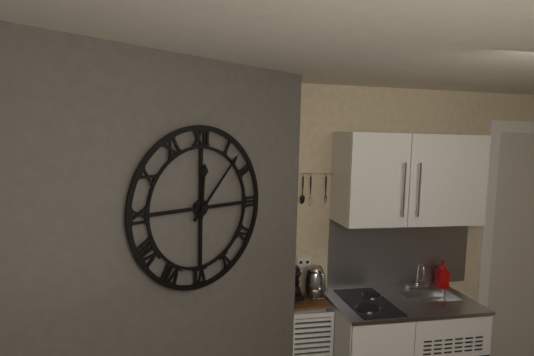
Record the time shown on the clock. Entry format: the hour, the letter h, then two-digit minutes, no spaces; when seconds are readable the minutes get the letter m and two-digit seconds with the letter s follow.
12h07
